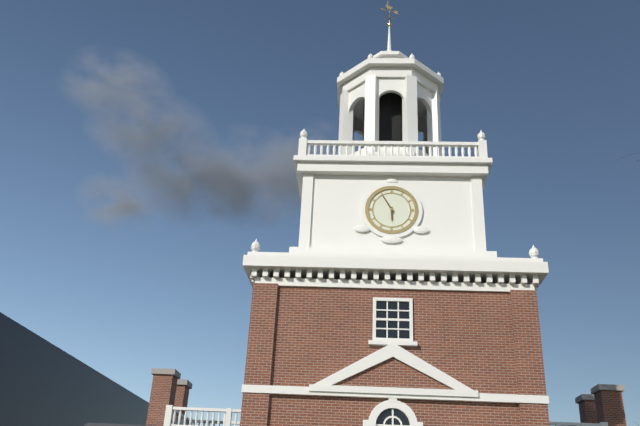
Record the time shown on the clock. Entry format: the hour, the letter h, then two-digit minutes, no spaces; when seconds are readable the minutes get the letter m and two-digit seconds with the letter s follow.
5h55
